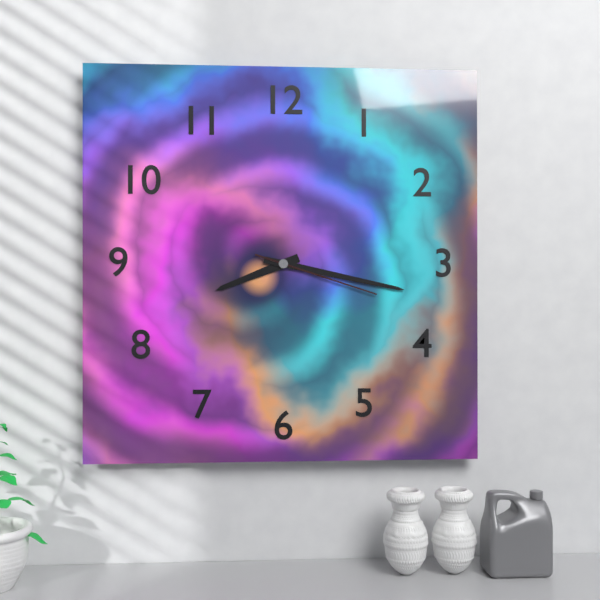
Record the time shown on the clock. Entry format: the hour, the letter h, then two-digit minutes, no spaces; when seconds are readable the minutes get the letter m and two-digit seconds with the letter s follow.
8h17m18s
